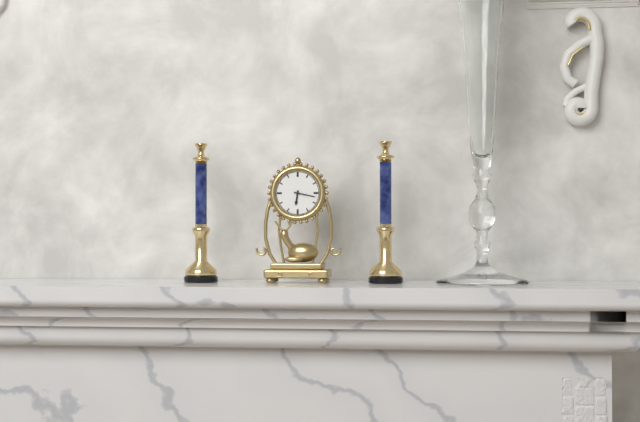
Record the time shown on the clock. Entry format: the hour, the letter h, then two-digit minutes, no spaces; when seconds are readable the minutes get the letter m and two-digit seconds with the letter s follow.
6h17
